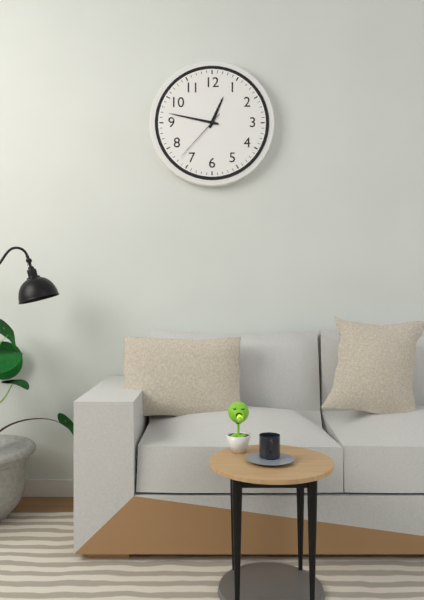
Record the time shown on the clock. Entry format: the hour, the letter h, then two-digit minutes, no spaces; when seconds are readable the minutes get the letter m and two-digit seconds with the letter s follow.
12h47m37s
